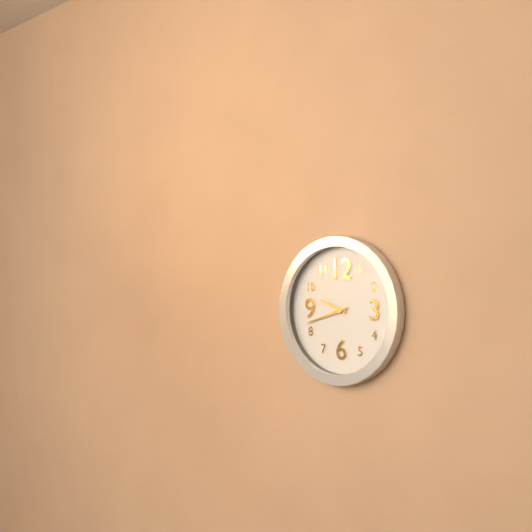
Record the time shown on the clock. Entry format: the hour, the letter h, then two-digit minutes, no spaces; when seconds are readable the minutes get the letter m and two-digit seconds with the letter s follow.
9h42
